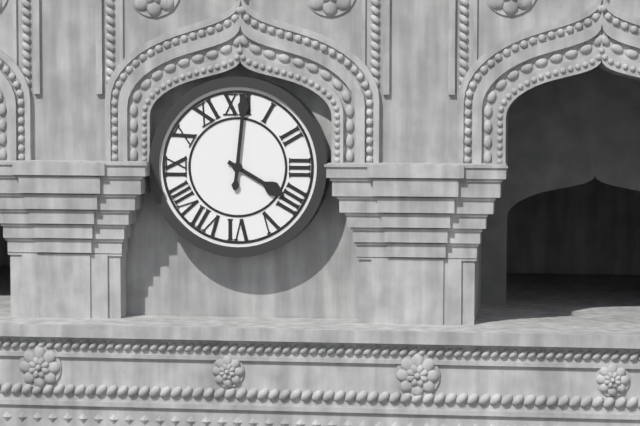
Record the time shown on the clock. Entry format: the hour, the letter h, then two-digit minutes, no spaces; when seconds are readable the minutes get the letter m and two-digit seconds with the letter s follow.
4h01
